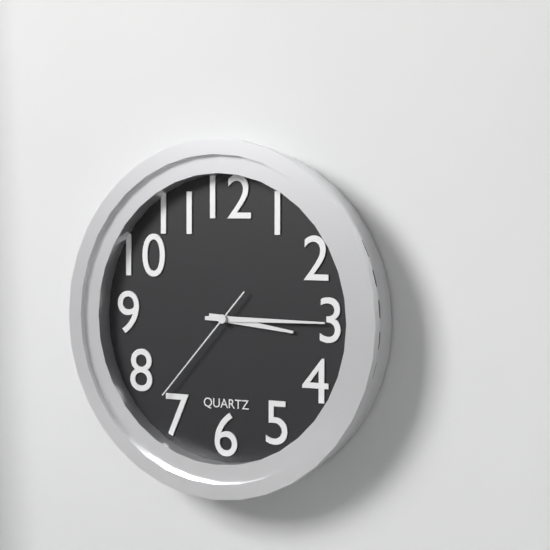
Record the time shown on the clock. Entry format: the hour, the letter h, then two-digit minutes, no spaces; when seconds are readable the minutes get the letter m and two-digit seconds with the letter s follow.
3h15m37s
